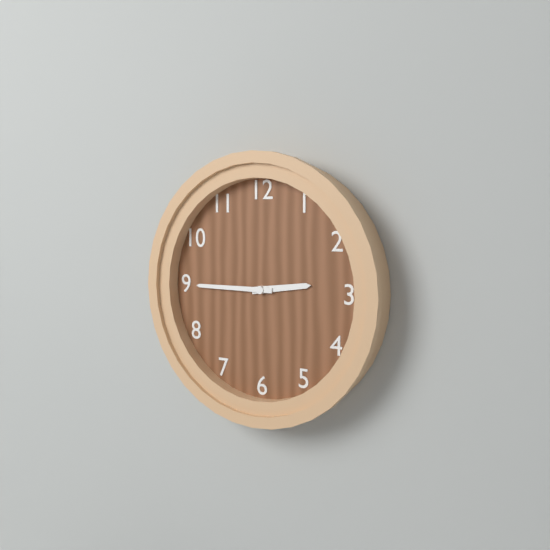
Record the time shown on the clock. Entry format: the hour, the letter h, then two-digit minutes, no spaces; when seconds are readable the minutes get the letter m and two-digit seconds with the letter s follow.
2h45
